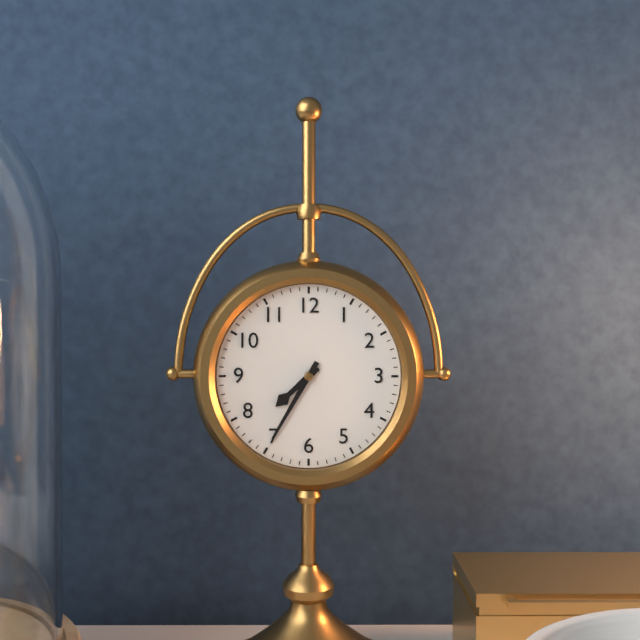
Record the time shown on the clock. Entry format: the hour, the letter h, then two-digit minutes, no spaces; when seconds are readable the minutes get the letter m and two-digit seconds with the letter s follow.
7h35
